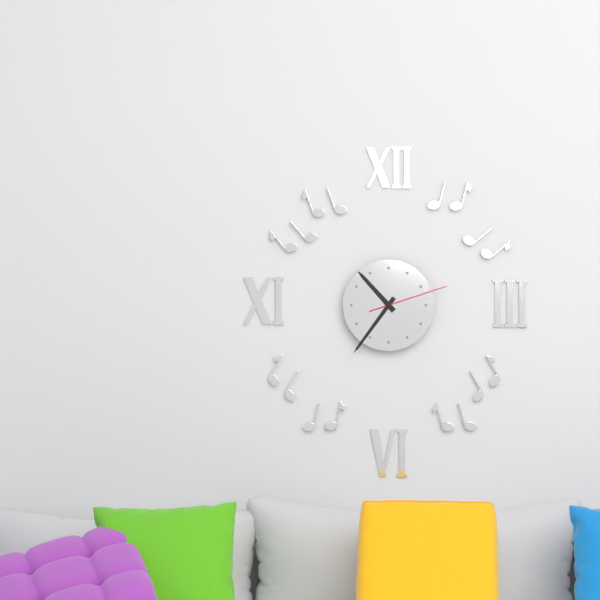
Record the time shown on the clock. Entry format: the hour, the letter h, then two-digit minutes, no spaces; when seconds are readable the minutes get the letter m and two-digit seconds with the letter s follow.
10h36m12s
